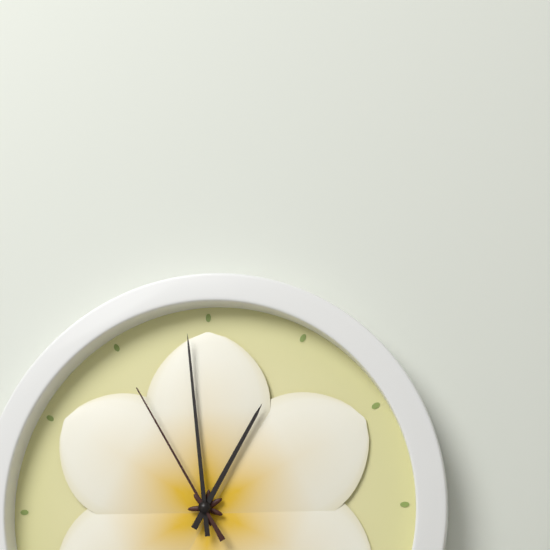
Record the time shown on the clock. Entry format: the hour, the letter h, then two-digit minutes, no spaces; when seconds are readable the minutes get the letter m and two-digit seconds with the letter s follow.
12h59m55s
